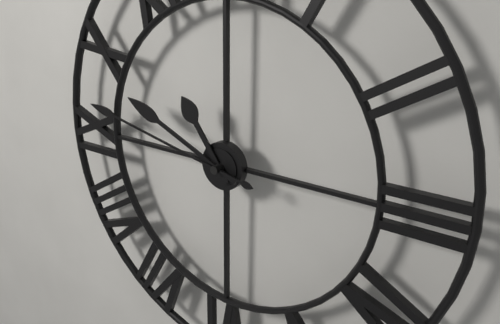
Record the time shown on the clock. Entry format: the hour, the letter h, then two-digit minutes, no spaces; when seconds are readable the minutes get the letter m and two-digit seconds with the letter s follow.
10h49m47s
